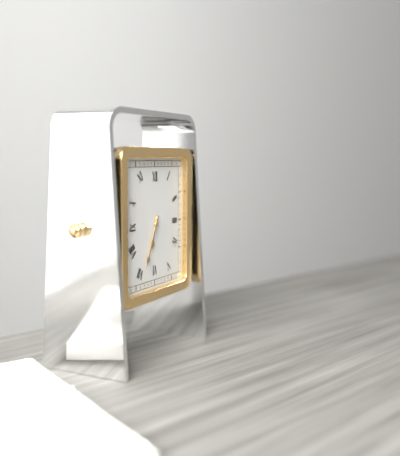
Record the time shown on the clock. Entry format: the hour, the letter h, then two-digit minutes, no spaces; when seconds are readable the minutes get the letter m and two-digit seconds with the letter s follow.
6h34
